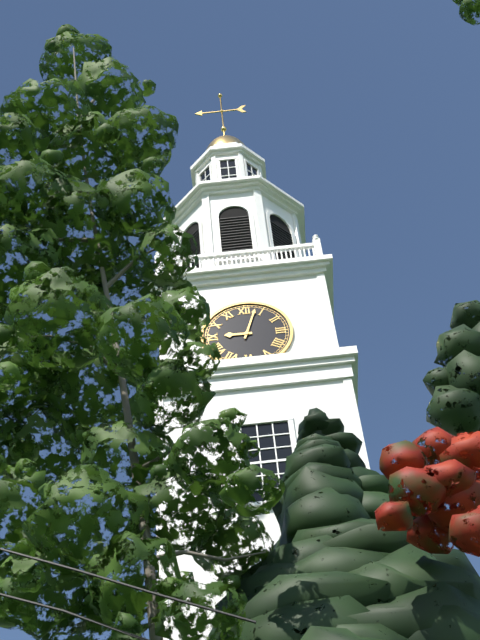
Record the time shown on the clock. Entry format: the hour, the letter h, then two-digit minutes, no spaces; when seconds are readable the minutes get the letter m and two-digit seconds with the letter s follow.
9h03
